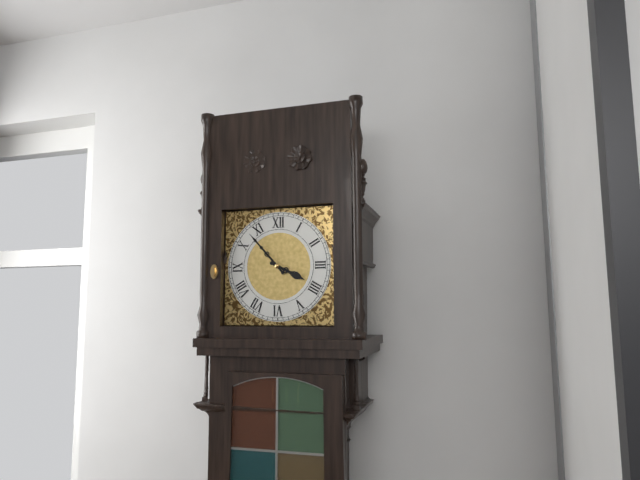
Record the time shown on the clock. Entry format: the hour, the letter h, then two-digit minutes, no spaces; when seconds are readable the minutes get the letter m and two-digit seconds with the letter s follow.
3h53
